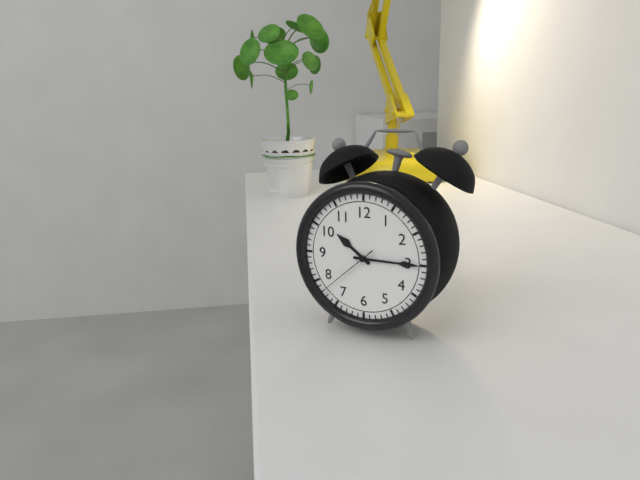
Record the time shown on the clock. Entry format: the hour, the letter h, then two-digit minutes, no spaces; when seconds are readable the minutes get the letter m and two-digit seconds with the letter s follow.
10h15m38s
